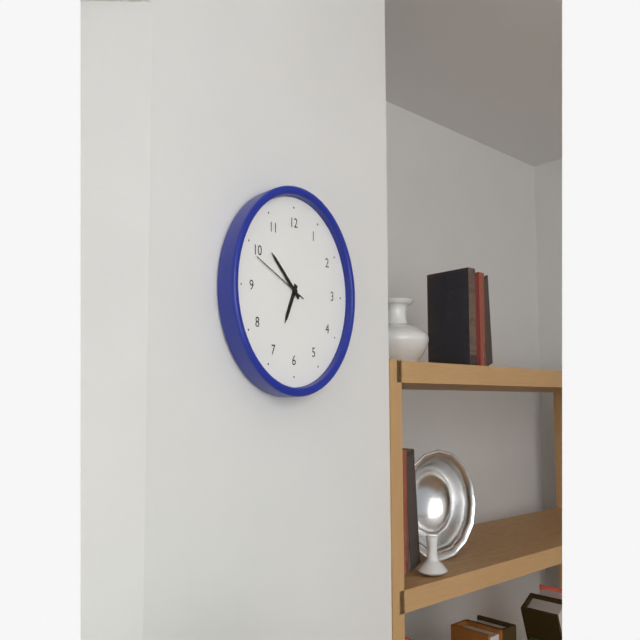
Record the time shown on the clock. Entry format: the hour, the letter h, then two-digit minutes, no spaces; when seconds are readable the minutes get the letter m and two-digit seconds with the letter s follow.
6h52m49s
